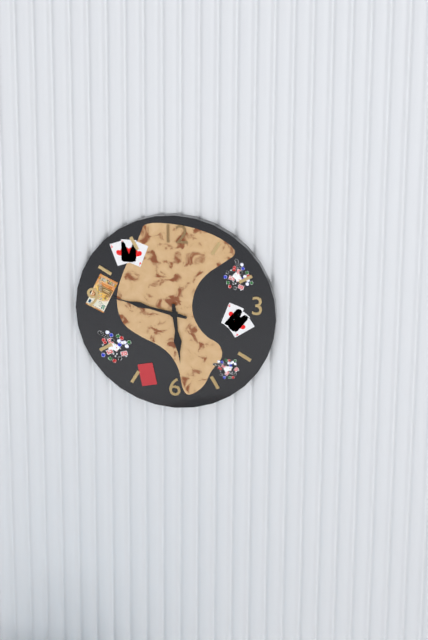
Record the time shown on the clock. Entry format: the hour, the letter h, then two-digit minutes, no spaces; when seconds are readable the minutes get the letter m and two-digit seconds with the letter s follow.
5h47
